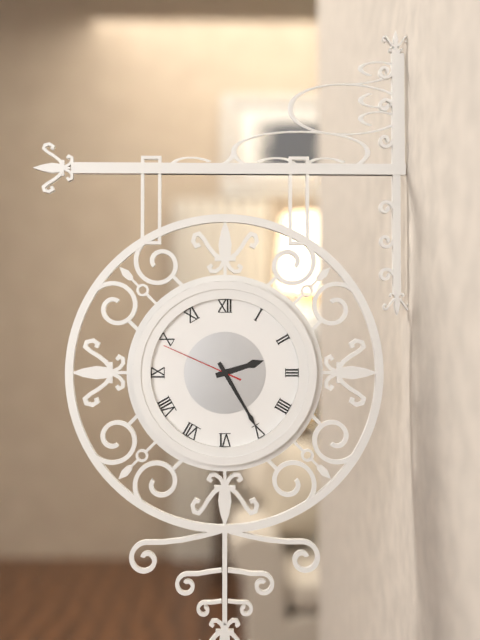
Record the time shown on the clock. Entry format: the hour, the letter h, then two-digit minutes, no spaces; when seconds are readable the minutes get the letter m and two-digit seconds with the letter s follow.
2h25m49s
